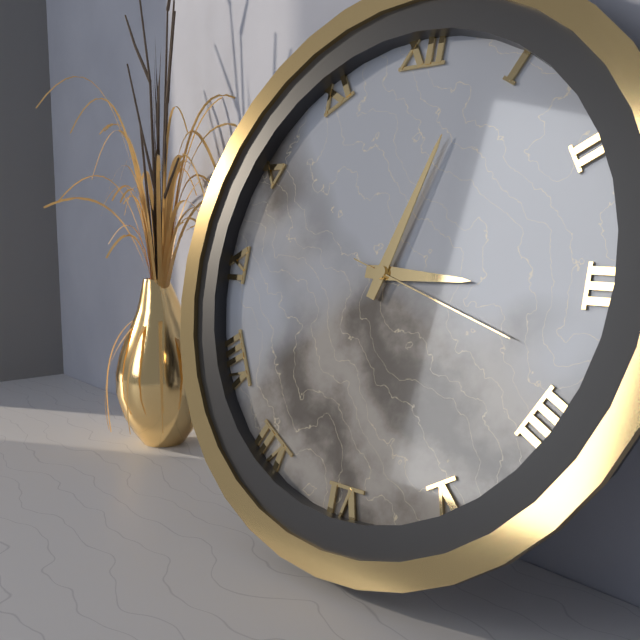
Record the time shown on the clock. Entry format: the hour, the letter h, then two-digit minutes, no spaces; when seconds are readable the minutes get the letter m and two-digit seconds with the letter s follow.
3h03m18s
